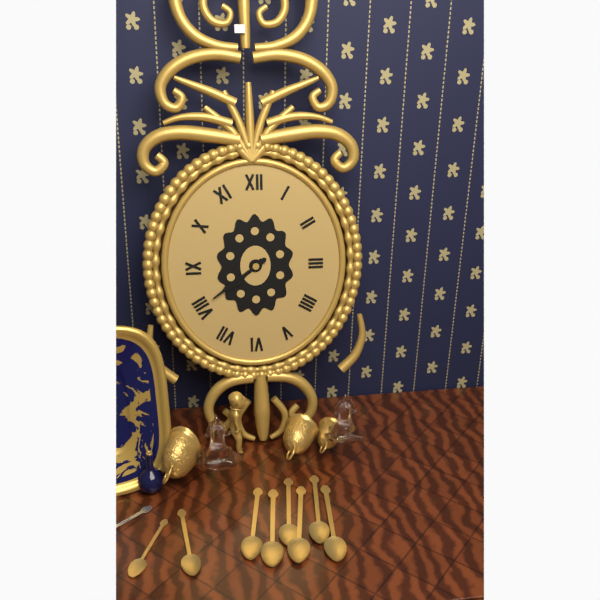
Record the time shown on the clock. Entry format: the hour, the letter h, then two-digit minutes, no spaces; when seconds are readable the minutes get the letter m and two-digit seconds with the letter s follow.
7h39
